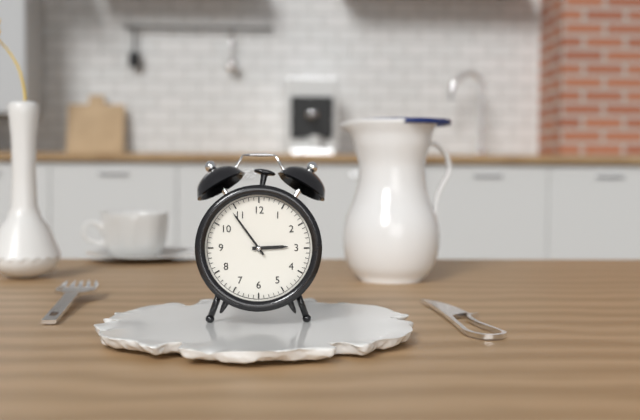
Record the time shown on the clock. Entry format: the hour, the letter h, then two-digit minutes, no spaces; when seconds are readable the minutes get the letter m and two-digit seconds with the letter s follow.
2h54
